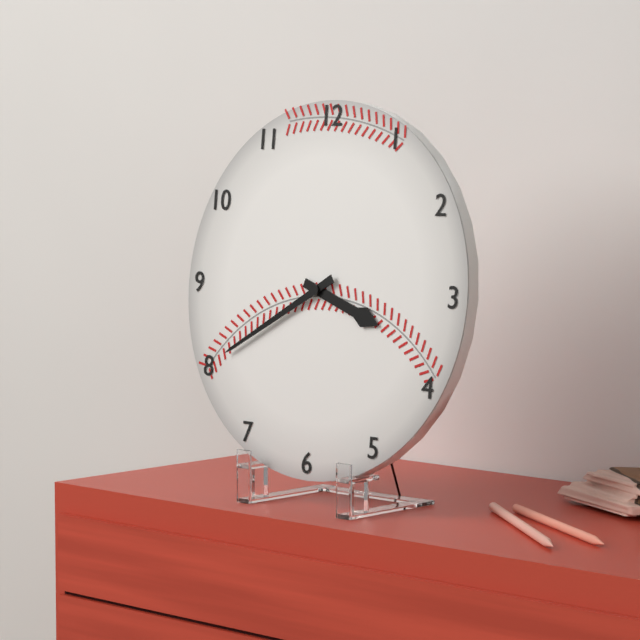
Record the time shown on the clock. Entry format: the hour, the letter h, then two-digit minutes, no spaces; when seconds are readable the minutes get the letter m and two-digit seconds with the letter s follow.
3h40
